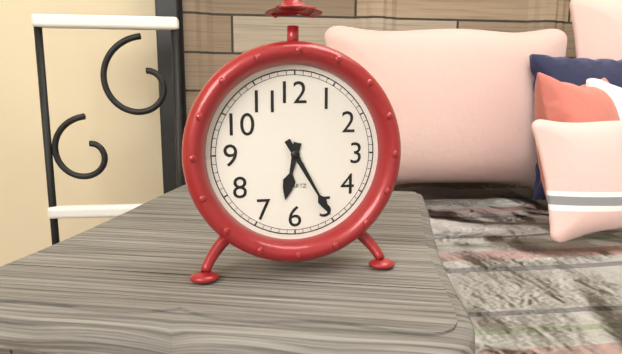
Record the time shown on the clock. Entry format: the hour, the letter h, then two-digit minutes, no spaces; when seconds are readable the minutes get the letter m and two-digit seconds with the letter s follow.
6h25
